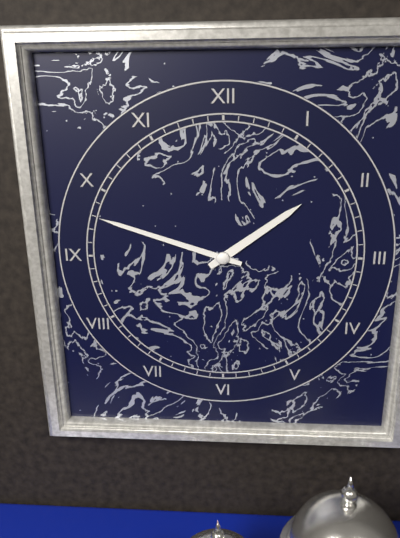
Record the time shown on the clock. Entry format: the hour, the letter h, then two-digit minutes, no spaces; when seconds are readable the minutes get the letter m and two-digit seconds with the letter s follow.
1h48
